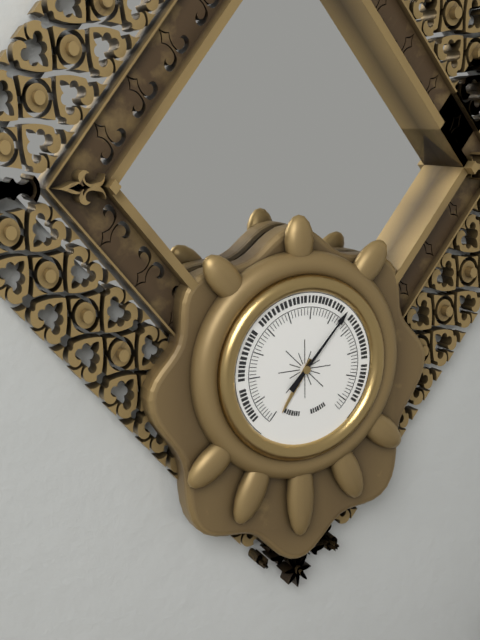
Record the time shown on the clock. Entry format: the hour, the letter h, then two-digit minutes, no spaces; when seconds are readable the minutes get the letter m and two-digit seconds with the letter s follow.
7h07
